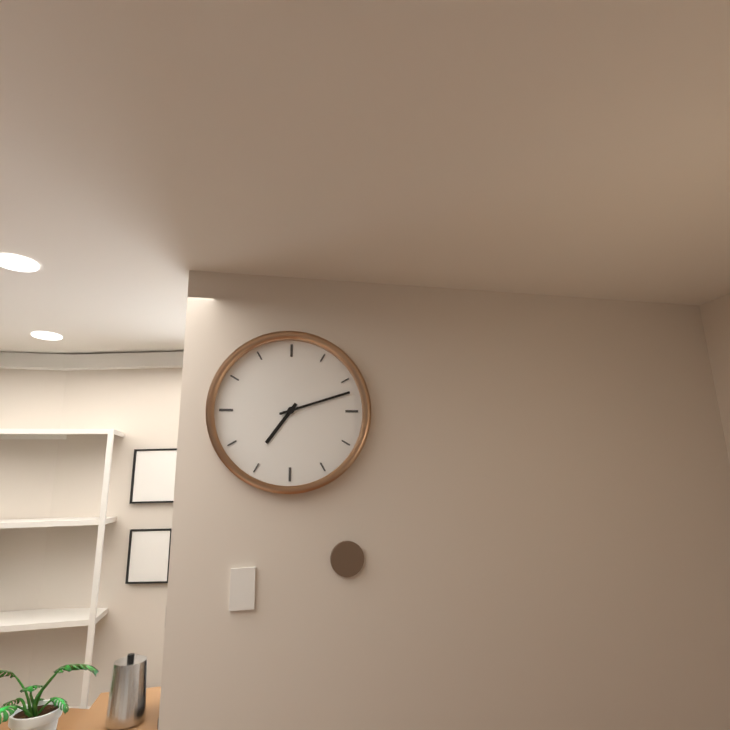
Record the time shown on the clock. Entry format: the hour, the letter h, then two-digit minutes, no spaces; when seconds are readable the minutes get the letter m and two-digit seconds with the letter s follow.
7h12
